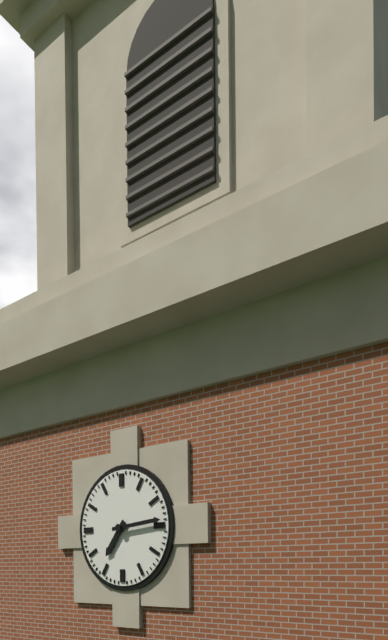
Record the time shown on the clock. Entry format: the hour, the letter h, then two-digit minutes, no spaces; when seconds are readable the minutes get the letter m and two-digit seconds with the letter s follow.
7h14
